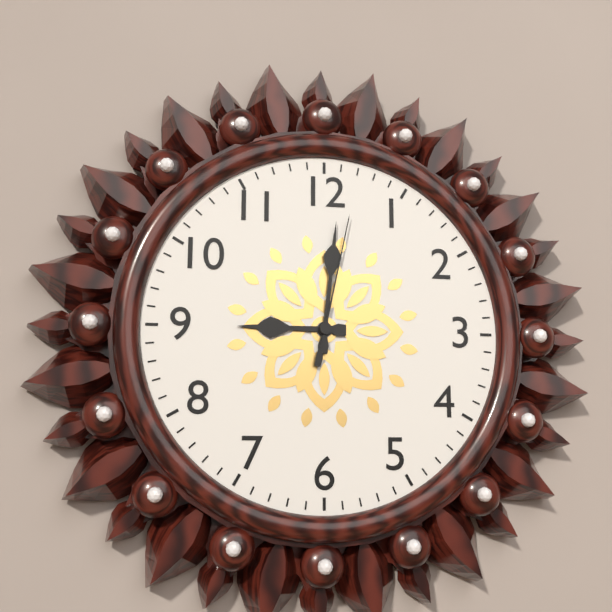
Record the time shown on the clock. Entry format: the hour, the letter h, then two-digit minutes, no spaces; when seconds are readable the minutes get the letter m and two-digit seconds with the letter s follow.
9h01m02s
